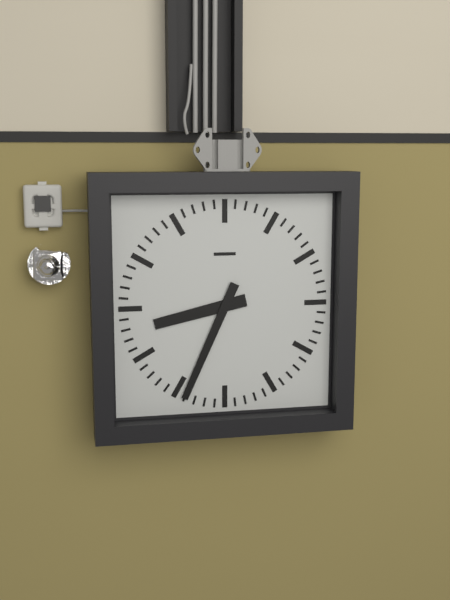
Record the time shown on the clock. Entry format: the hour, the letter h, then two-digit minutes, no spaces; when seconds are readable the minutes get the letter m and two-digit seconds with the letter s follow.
8h34
